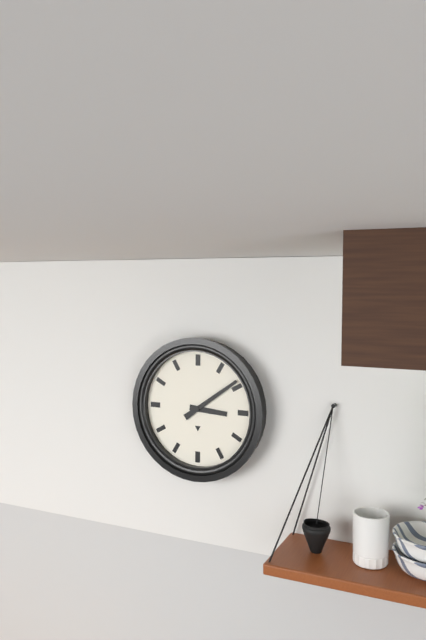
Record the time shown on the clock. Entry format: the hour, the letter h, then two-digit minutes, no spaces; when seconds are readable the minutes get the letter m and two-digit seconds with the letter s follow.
3h09
